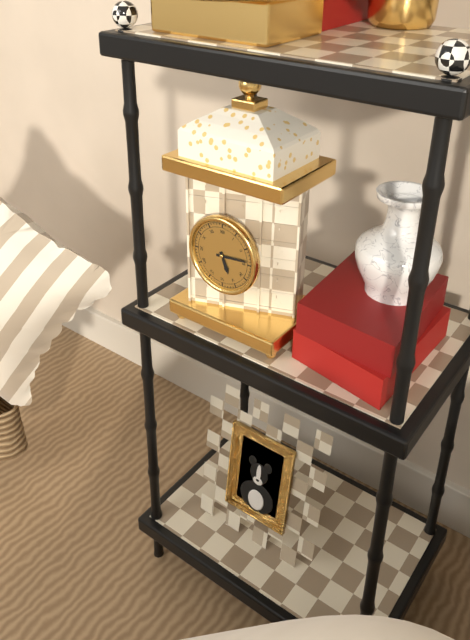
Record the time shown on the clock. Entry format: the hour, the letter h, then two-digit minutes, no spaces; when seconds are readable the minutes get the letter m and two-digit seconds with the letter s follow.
5h14
